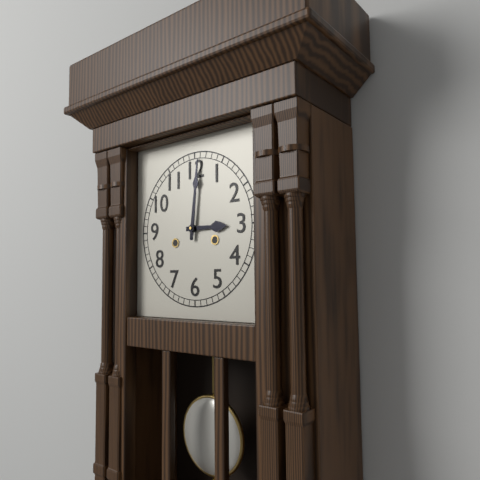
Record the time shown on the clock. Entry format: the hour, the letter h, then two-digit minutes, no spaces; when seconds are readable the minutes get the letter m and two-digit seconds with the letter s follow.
3h01
